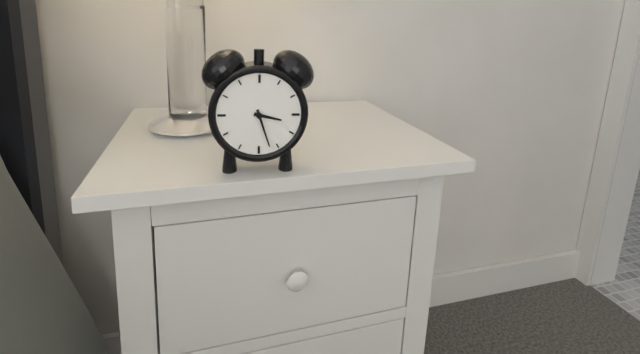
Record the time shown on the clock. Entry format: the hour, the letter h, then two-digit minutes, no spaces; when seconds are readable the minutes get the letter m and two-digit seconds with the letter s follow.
3h27
